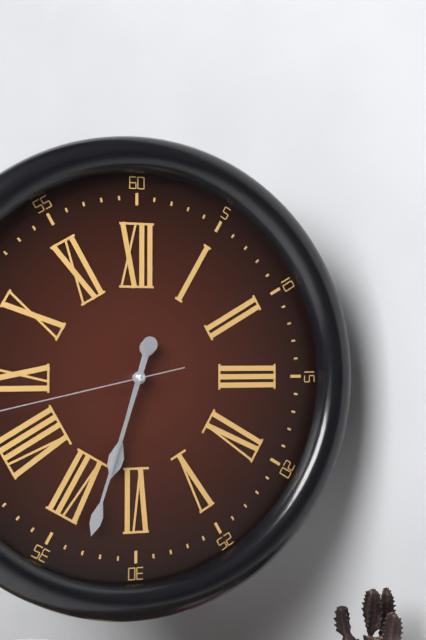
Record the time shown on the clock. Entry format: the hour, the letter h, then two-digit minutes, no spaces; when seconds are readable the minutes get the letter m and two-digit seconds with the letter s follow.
6h33
